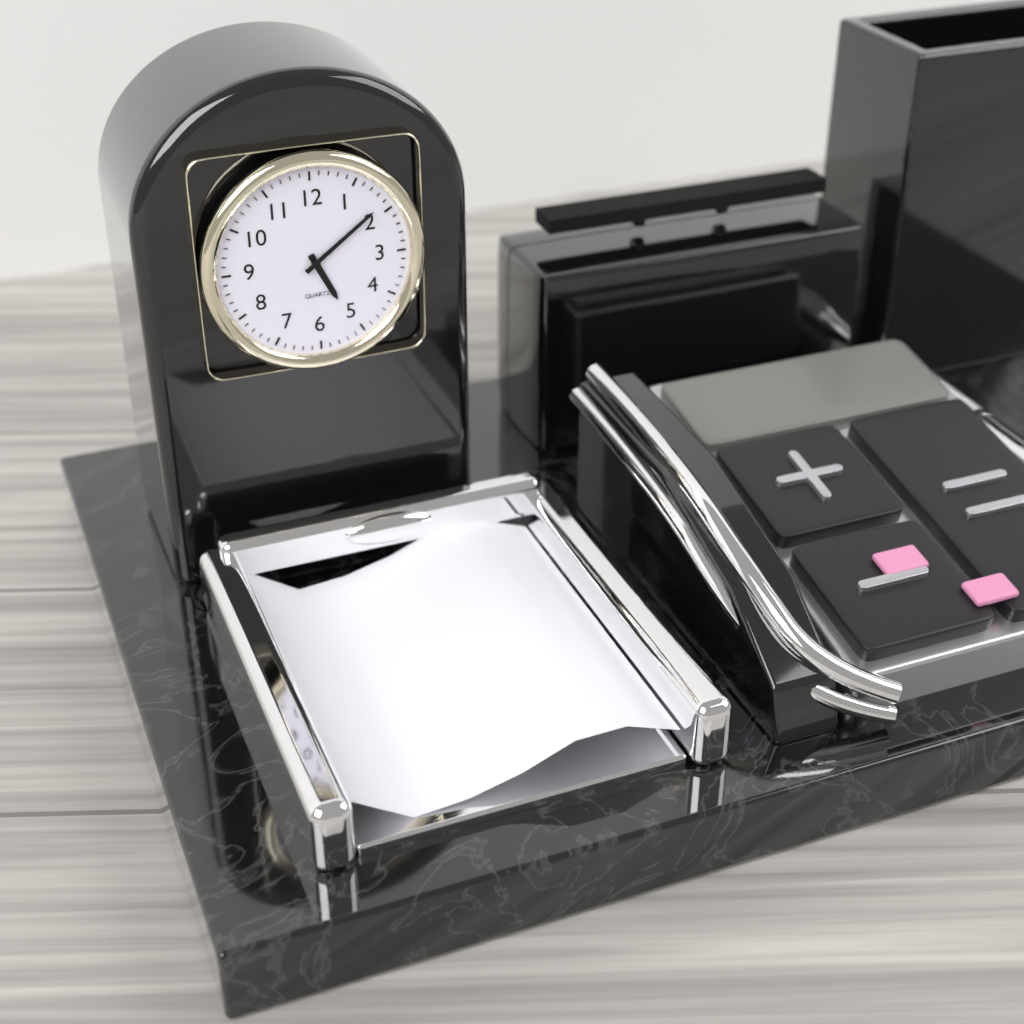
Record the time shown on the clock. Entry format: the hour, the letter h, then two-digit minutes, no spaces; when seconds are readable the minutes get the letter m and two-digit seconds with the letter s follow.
5h09
